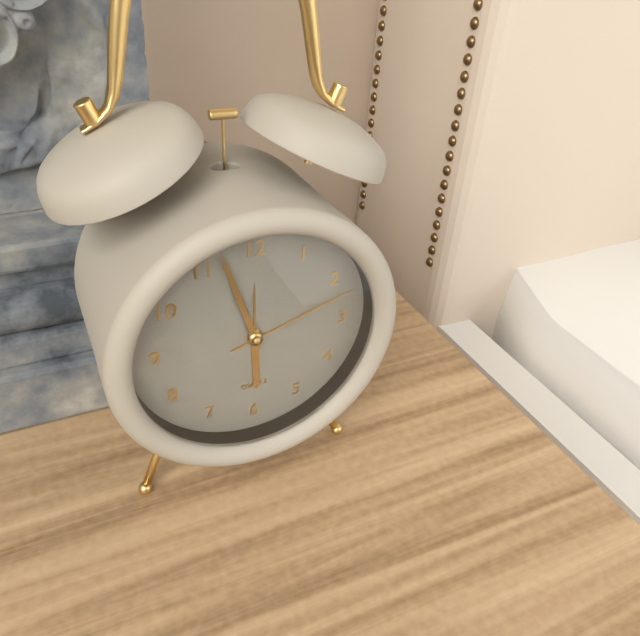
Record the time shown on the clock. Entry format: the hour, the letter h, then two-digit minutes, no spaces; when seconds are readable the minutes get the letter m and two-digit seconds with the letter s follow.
5h57m12s
